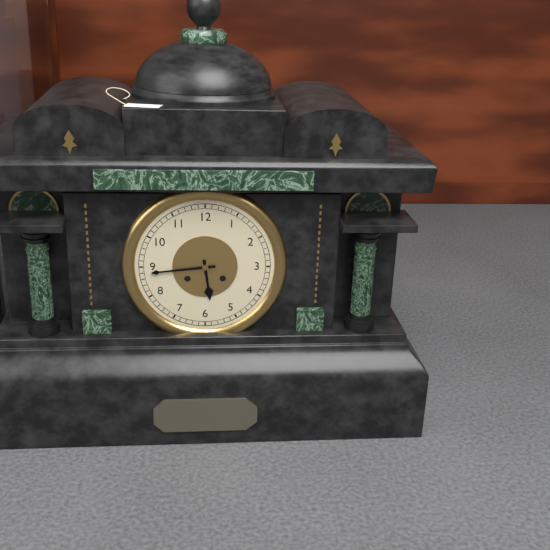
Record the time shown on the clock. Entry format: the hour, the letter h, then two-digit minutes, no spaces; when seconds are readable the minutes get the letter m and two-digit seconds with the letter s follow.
5h44
